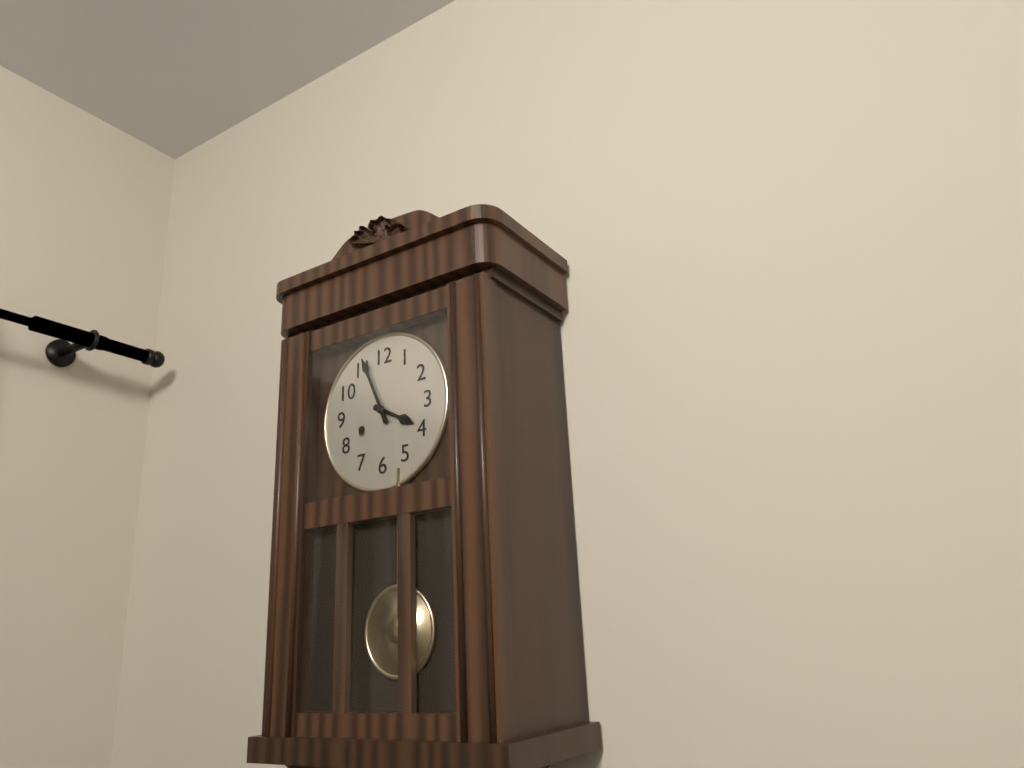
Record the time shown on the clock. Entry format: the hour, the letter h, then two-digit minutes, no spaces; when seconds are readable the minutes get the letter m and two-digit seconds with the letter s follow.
3h56
